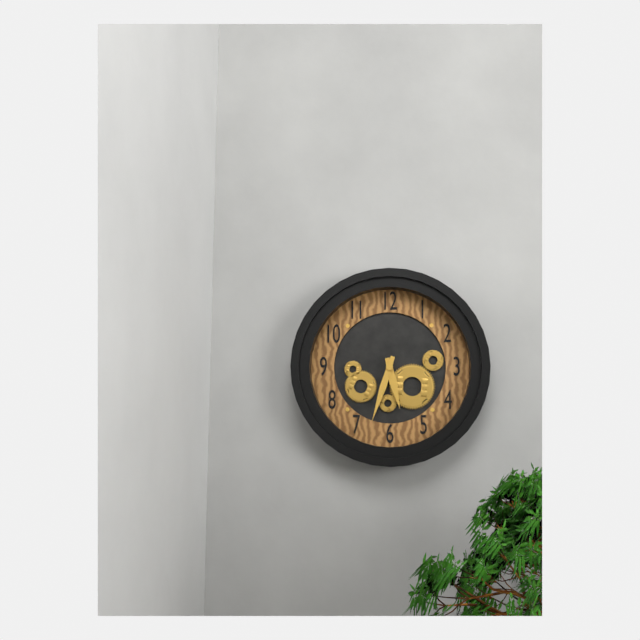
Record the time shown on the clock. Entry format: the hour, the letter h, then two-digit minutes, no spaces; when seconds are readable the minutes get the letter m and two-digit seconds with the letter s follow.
5h33
